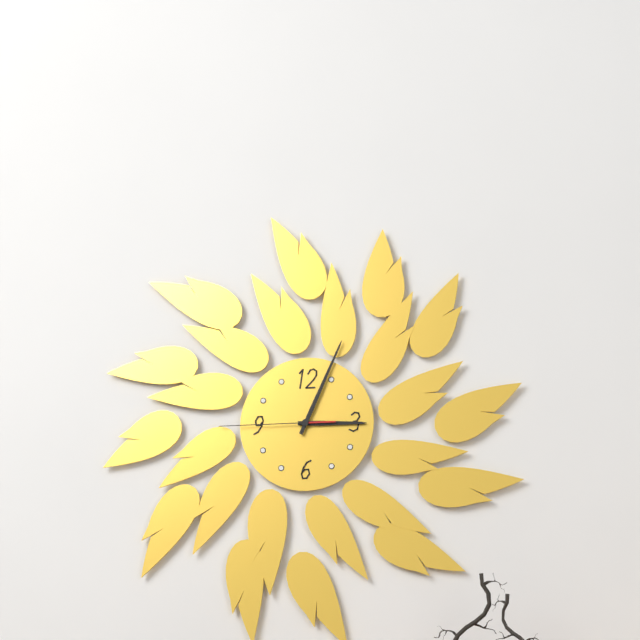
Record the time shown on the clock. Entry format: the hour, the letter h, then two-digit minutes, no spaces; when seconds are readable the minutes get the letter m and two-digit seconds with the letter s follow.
3h04m45s
